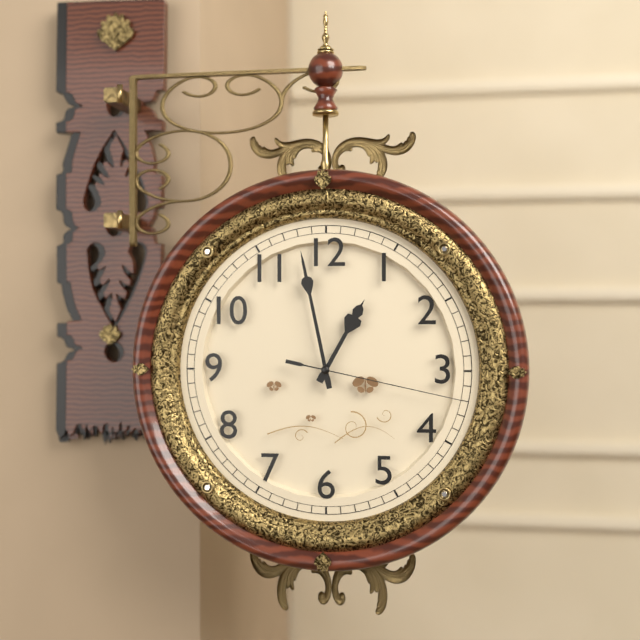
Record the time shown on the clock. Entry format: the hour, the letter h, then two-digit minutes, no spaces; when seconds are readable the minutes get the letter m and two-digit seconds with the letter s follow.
12h58m17s
